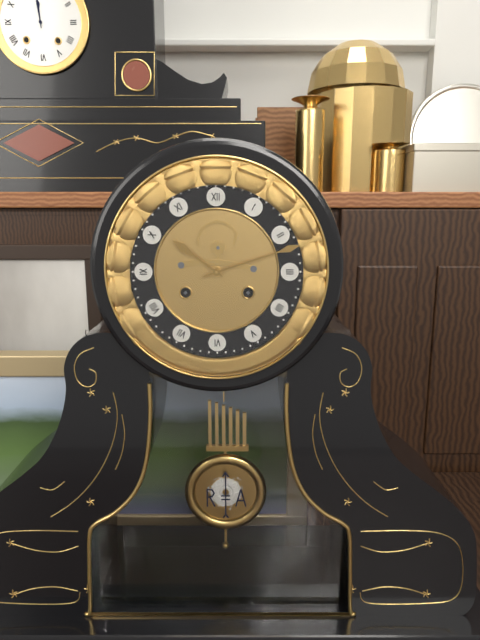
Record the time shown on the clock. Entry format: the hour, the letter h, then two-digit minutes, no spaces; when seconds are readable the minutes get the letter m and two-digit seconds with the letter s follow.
10h12
